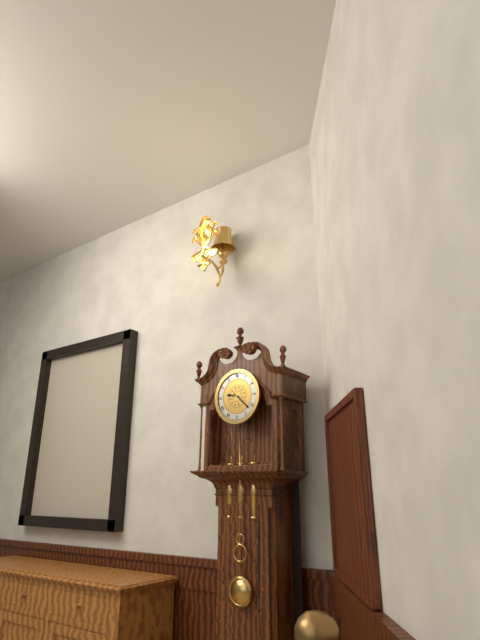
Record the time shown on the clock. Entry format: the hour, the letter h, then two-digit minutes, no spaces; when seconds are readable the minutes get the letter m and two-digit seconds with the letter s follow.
9h22
